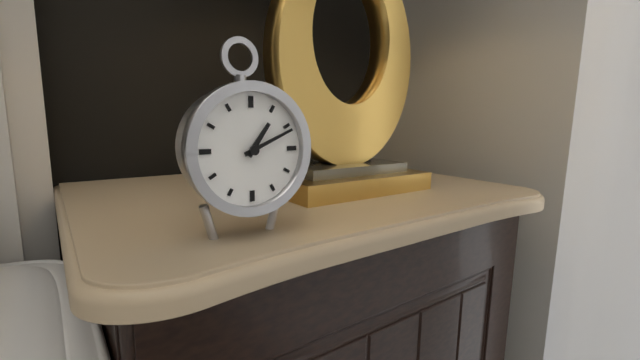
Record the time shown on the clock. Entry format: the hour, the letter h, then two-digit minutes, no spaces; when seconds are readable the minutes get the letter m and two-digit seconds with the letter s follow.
1h11
